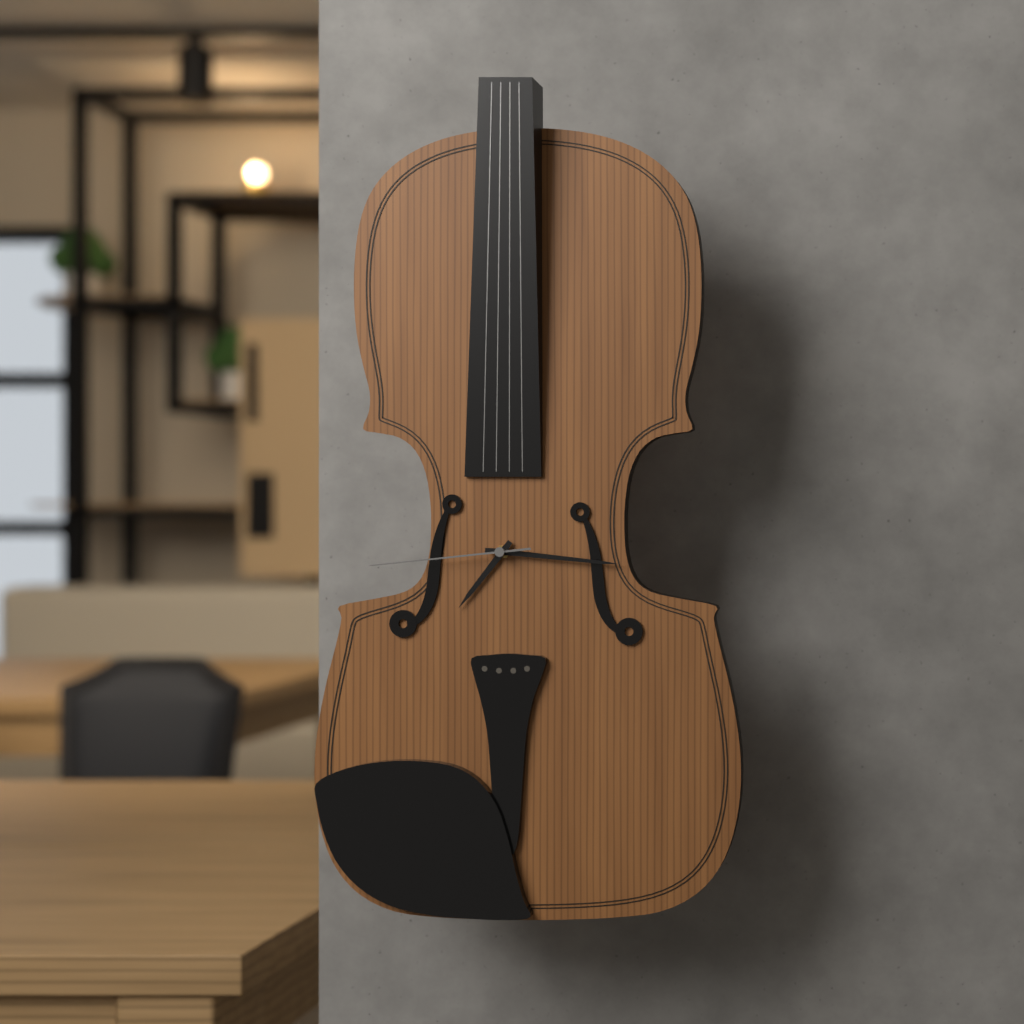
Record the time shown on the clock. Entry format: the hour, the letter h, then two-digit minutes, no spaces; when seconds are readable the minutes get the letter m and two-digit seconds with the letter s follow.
7h16m44s
